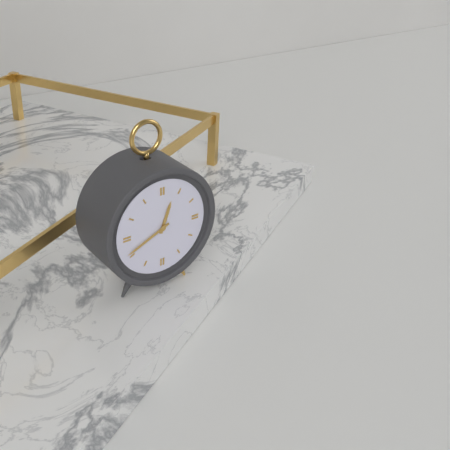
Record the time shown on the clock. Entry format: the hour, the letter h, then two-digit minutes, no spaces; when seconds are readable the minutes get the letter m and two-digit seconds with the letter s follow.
12h41
